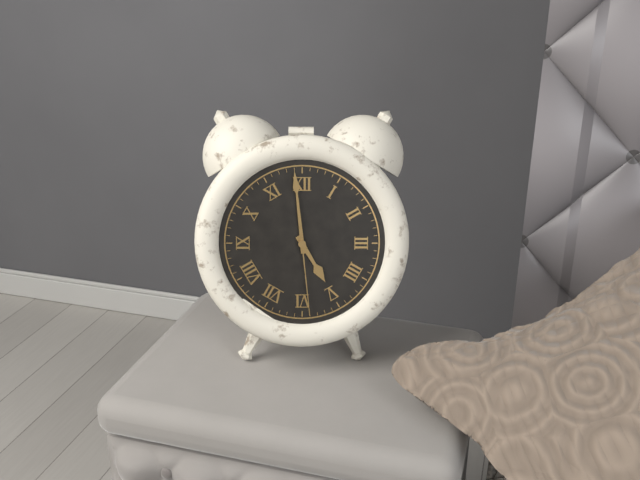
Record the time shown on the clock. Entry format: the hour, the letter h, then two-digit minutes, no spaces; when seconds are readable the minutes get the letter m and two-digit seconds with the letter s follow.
4h59m29s
